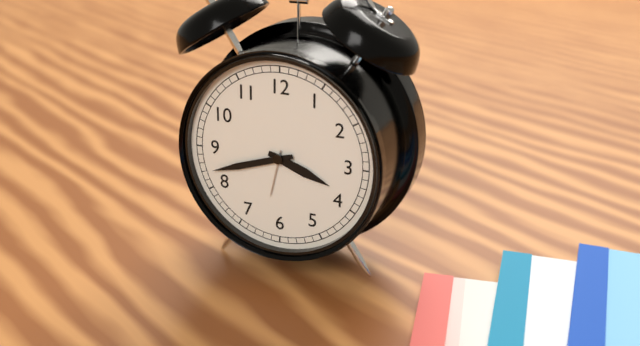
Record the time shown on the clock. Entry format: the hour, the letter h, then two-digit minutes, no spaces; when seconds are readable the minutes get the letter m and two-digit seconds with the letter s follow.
3h42
